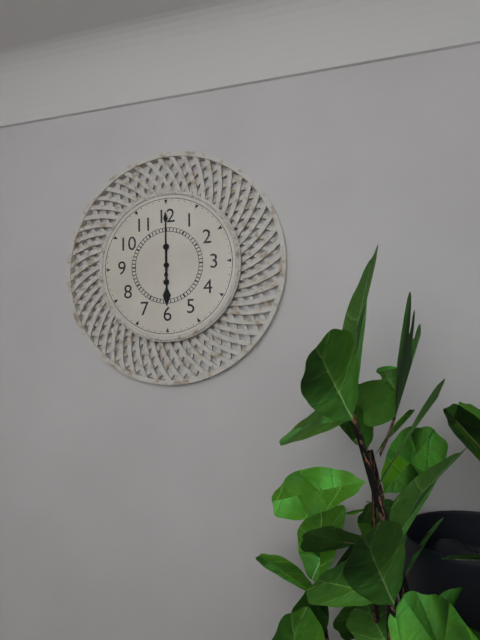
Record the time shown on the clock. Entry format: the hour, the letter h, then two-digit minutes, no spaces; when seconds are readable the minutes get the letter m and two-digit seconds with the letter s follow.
6h00
